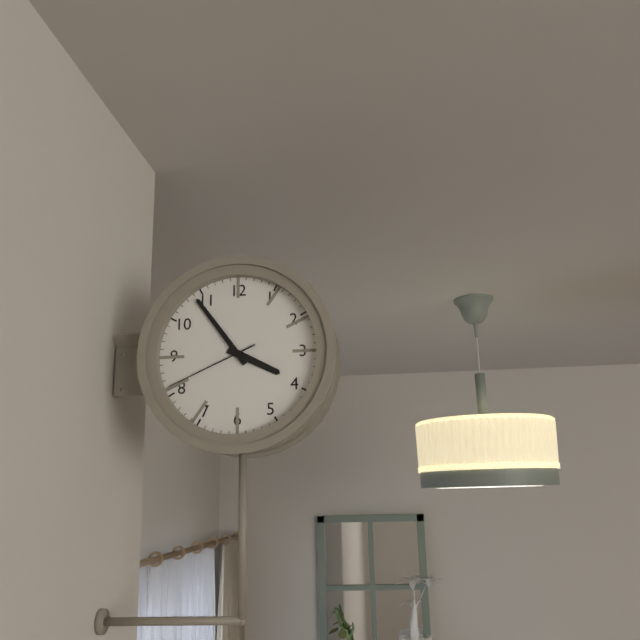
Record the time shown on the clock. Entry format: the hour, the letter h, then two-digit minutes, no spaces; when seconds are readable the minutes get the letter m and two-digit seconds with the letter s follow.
3h54m41s
